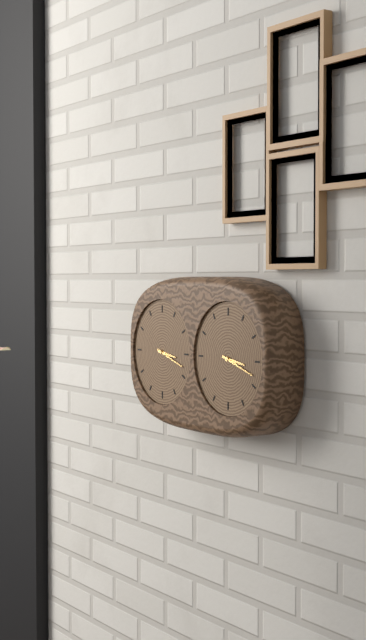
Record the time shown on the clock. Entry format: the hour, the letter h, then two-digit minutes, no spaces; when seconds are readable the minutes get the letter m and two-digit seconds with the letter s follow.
3h18
